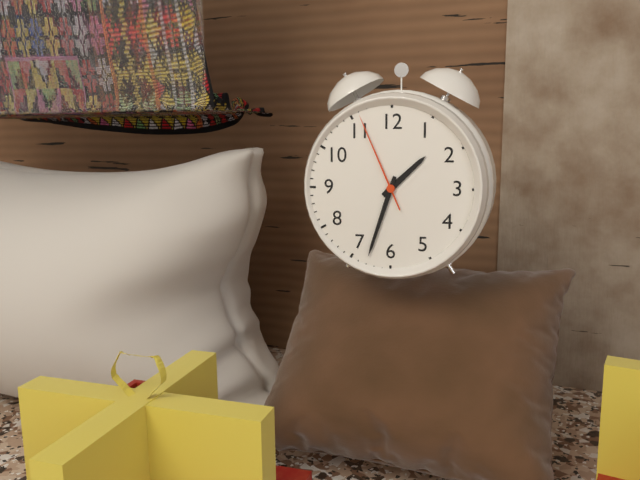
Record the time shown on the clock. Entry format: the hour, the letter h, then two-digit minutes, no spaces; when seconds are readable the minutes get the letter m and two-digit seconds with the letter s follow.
1h33m56s
